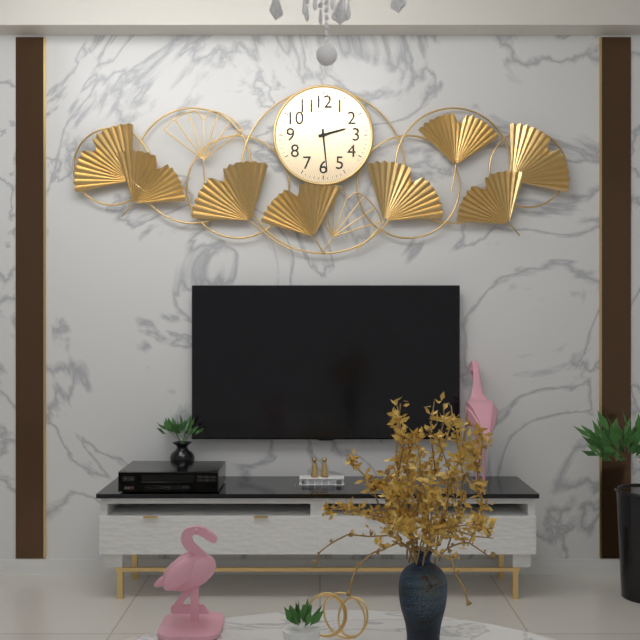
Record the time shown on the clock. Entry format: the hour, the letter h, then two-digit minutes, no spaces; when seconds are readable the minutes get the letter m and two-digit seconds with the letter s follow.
2h29
